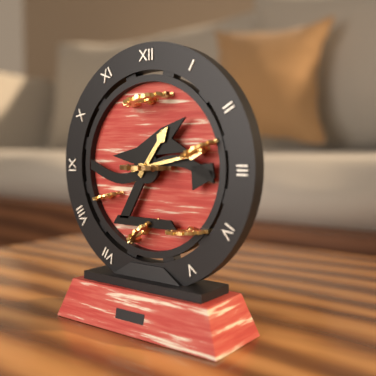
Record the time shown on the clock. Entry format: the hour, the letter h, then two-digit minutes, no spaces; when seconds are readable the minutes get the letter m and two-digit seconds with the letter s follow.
1h13
